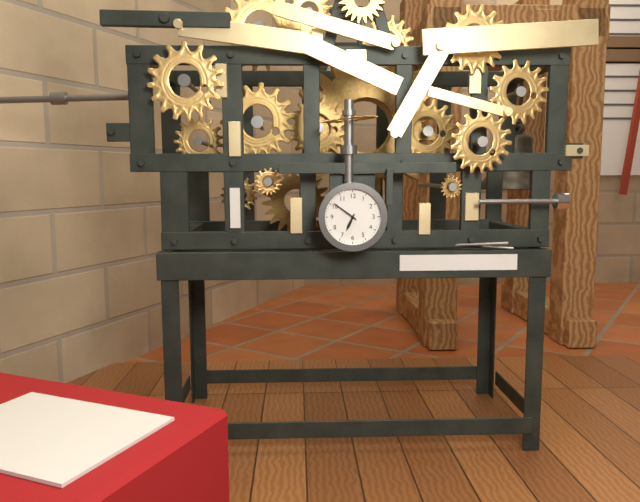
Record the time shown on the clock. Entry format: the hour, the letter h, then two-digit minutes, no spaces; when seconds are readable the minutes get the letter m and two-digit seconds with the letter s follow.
6h51
